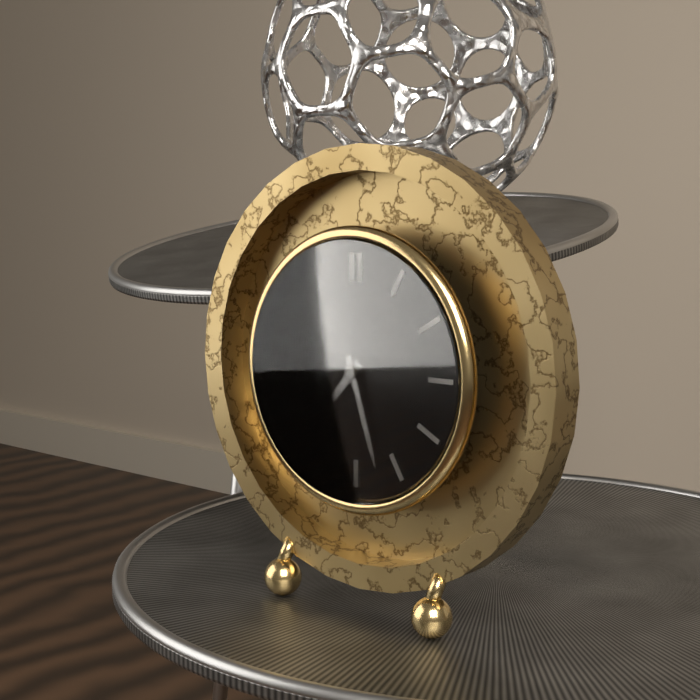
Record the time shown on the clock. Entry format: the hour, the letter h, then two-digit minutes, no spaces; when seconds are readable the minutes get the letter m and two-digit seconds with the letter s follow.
7h27
